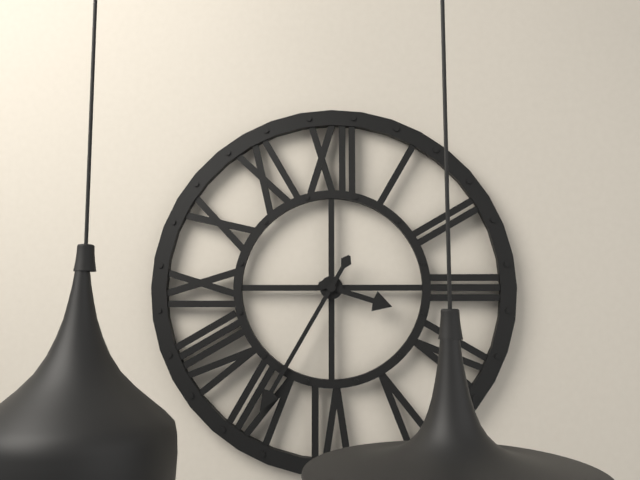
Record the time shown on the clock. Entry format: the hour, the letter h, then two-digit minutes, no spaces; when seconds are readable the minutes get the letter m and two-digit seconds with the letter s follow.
3h35
